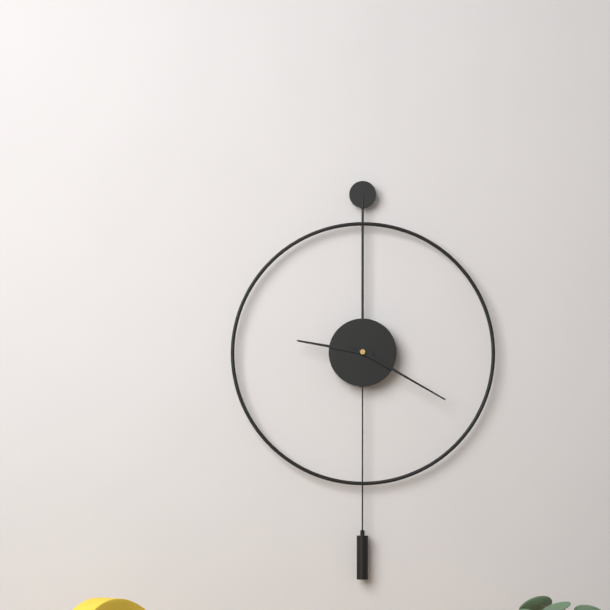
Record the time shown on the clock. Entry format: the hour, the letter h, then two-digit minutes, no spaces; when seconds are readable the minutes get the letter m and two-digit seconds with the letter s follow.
9h20
